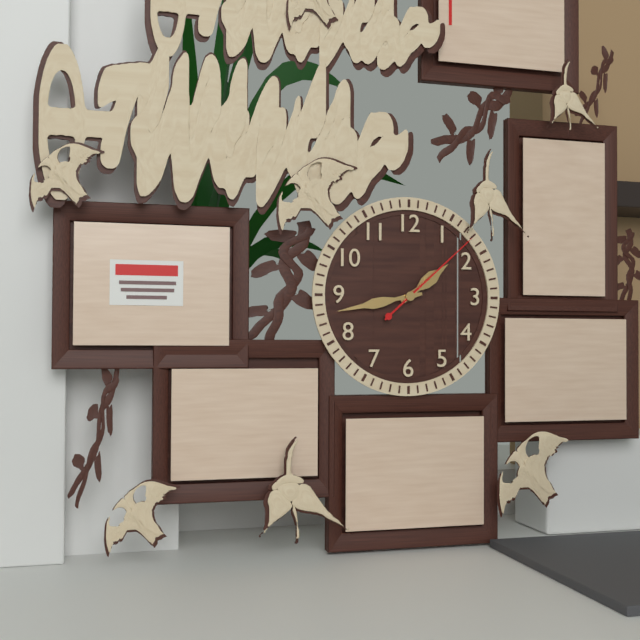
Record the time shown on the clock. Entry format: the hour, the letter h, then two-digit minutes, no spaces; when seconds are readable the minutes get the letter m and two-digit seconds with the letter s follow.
1h43m08s
